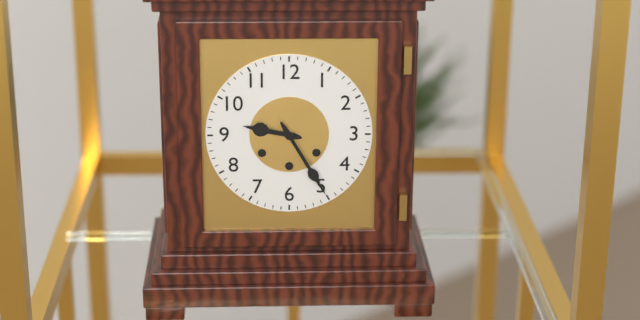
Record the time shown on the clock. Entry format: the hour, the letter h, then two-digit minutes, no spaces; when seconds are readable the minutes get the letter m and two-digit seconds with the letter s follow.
9h25
